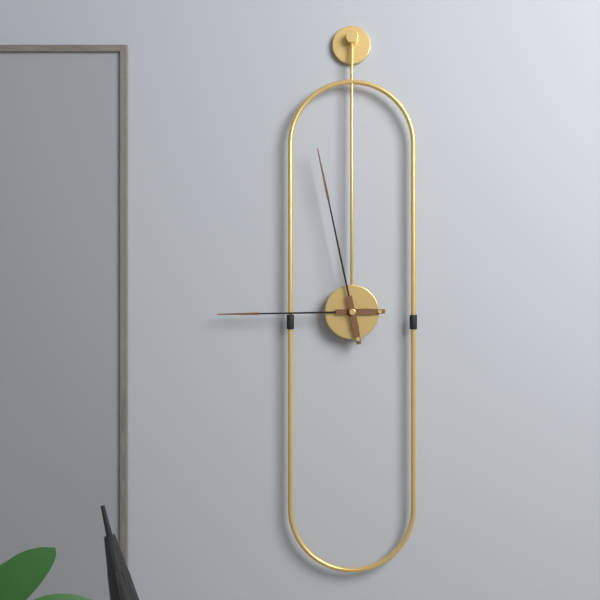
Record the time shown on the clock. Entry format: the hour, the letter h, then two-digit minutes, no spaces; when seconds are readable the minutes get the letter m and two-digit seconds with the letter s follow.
8h58
